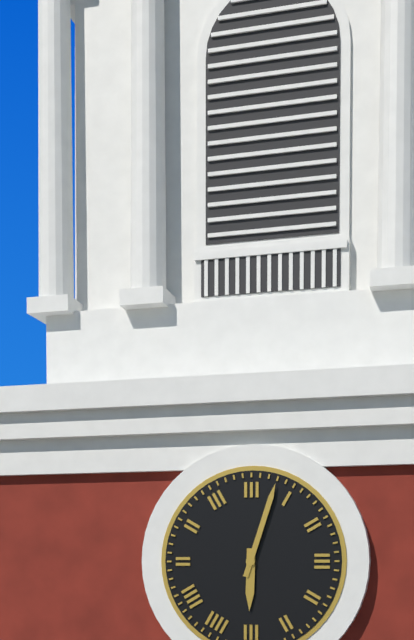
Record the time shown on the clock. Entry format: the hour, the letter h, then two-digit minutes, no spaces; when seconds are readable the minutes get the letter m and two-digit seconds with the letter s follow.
6h03
